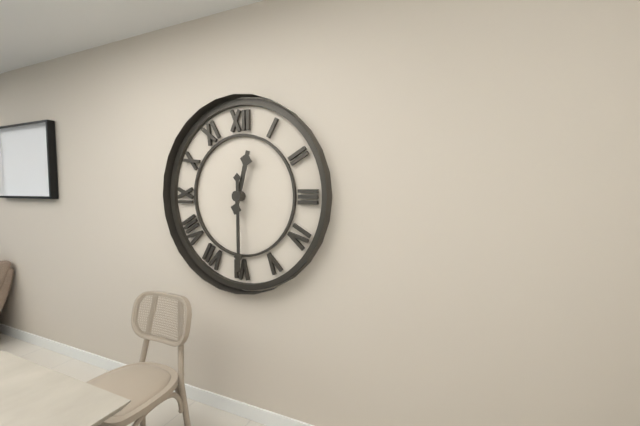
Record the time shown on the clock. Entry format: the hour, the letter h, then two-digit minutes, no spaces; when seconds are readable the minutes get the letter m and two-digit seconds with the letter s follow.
12h30
